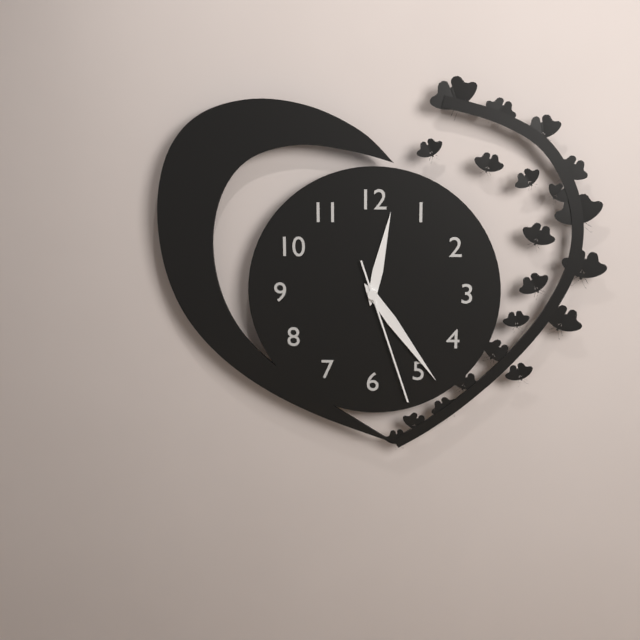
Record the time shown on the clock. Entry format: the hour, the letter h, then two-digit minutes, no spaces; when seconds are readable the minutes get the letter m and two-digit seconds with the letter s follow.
12h24m27s
